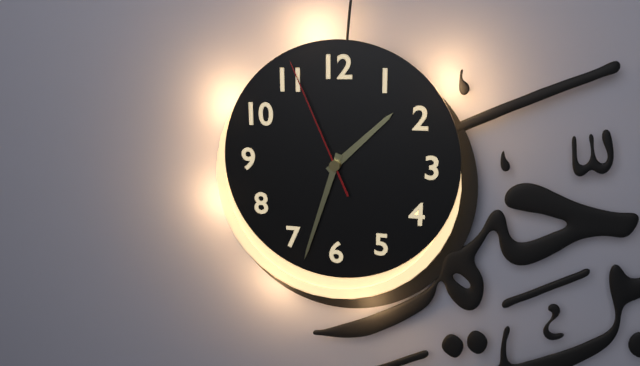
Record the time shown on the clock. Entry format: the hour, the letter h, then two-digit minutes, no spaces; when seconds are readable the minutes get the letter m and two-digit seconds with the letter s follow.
1h33m56s
